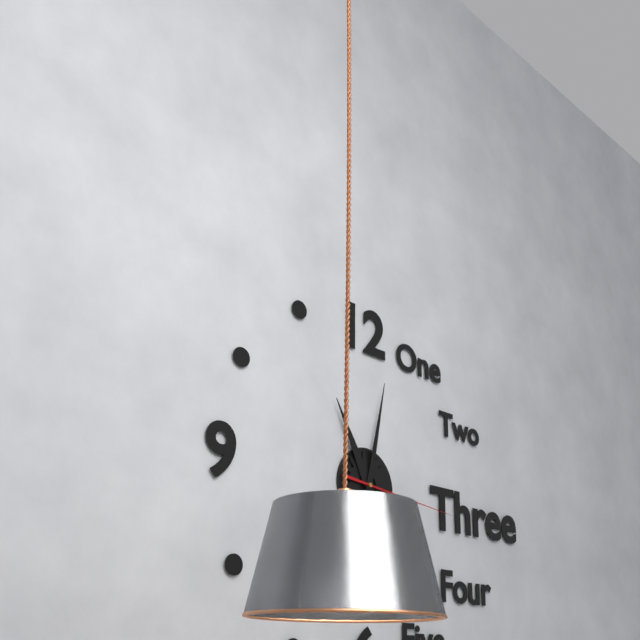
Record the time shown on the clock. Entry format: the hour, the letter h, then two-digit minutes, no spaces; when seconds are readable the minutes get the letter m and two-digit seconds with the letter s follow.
11h02m16s
